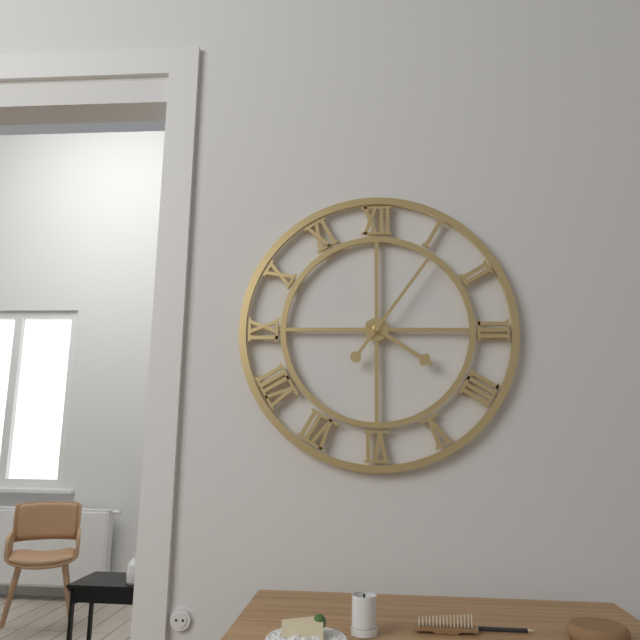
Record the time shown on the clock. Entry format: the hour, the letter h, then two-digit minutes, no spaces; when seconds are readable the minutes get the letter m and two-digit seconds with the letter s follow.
4h06
